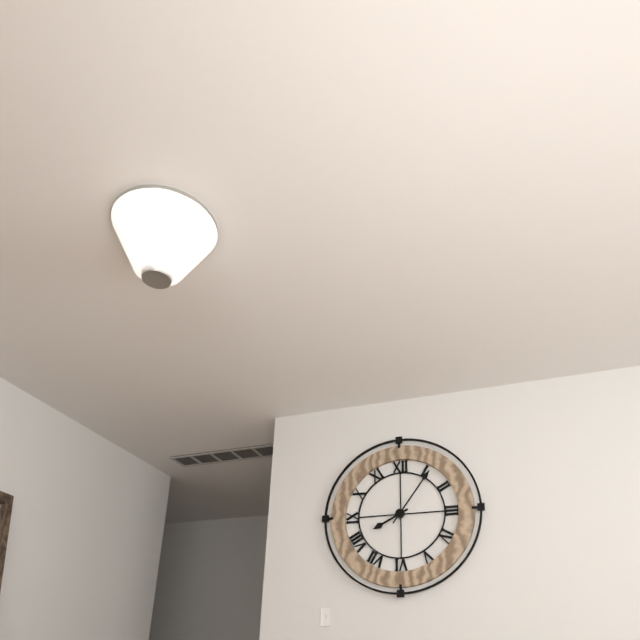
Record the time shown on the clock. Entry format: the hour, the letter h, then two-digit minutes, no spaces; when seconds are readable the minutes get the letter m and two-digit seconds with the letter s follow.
8h06
